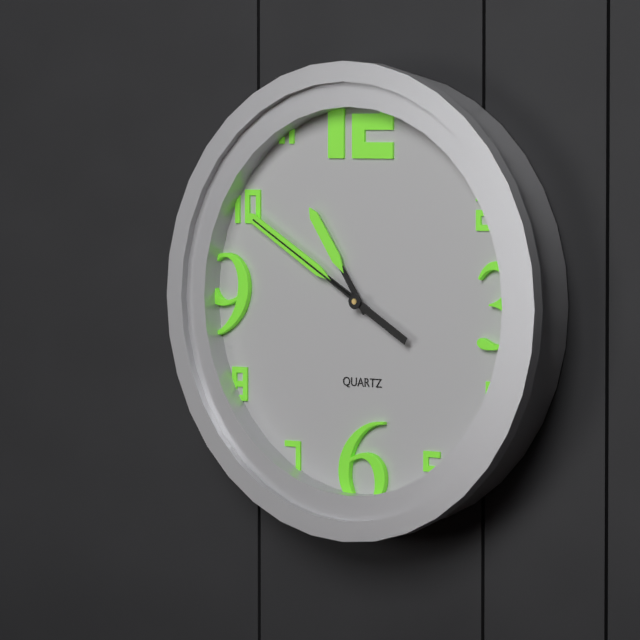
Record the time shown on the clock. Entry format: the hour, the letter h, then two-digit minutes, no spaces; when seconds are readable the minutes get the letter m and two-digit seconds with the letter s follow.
10h50m50s
